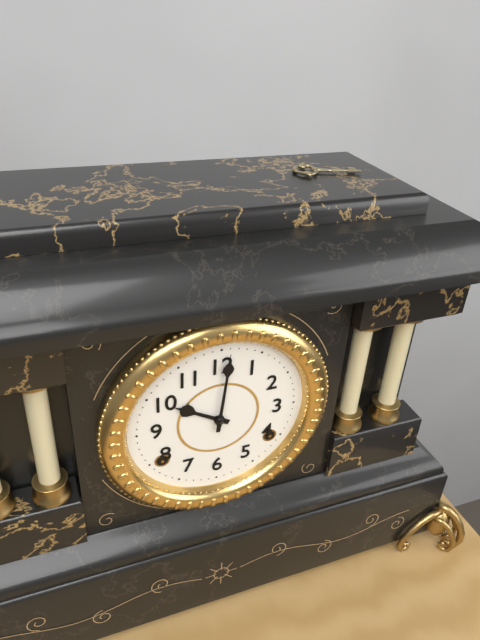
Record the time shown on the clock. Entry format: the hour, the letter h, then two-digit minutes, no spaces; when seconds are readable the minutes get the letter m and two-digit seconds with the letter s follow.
10h01
